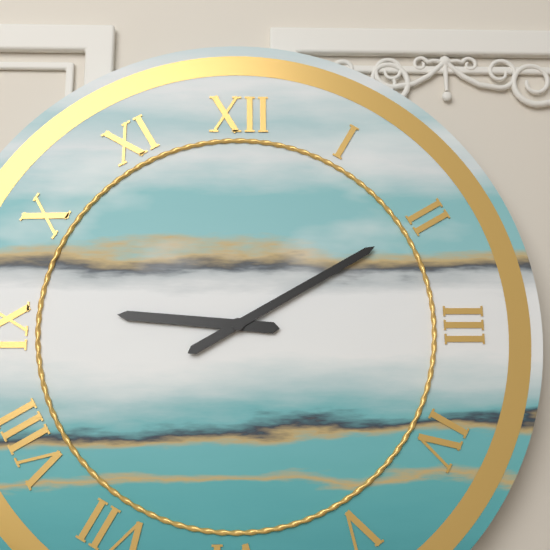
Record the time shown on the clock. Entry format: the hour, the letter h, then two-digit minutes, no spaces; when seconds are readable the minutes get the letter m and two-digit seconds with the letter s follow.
9h10
